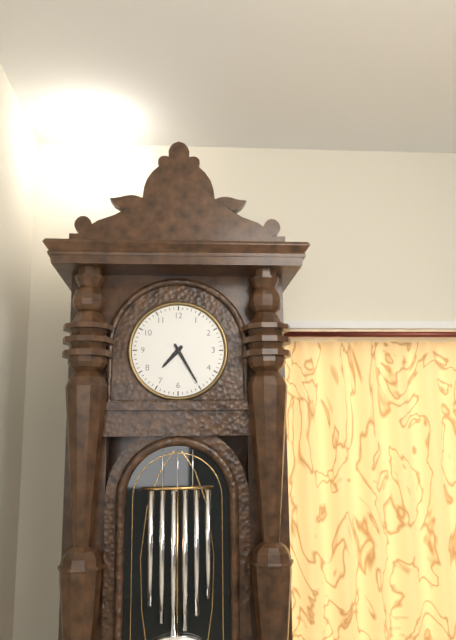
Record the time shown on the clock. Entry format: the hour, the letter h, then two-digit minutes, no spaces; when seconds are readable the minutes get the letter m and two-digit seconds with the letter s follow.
7h25
